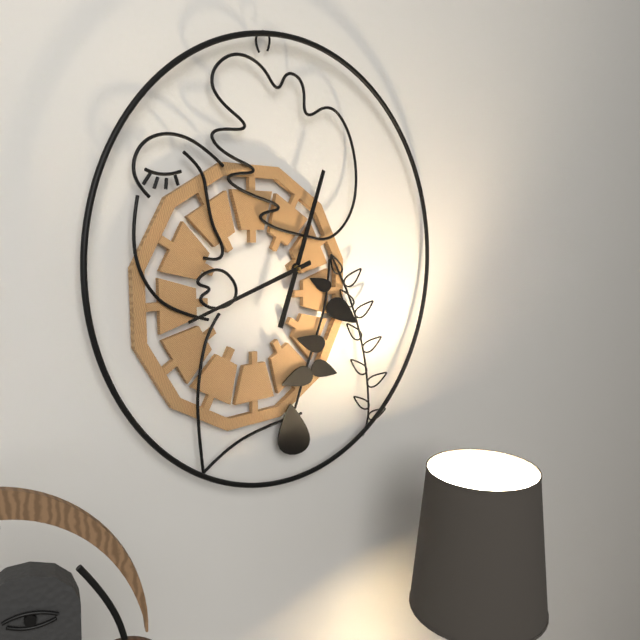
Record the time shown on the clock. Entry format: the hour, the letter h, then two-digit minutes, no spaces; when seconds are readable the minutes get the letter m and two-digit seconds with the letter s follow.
12h42
